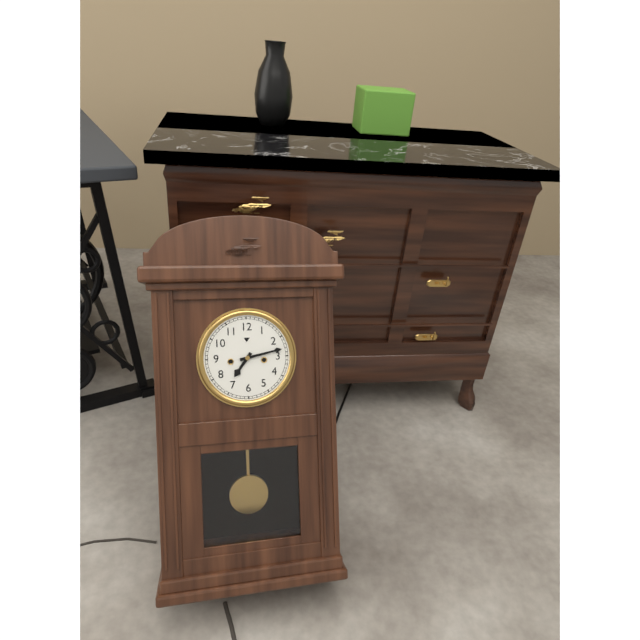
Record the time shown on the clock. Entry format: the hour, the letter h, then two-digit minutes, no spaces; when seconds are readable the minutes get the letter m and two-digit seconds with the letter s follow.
7h13
